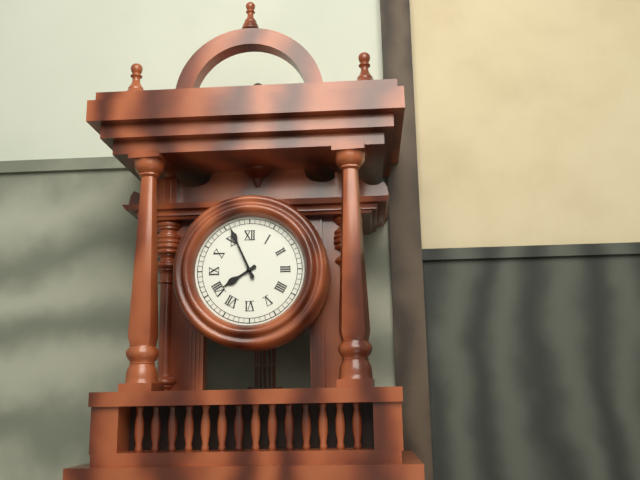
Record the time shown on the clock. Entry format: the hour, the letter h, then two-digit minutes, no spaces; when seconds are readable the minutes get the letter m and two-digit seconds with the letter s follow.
7h56
